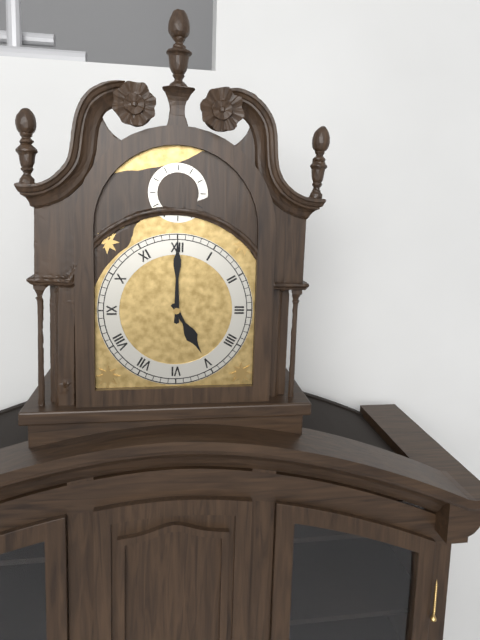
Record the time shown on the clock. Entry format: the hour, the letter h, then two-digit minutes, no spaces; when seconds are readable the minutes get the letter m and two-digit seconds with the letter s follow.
5h00
